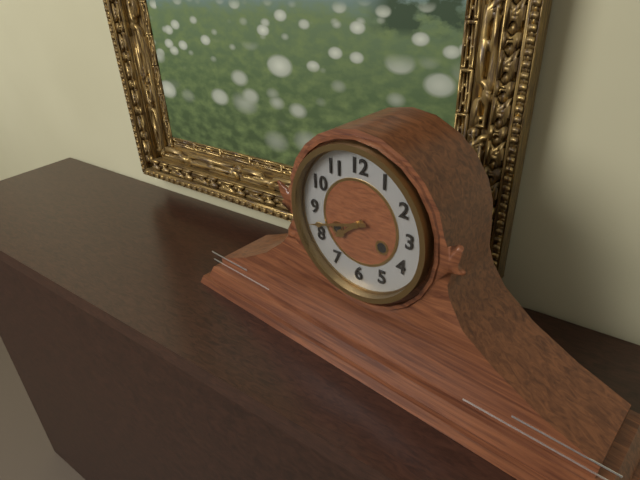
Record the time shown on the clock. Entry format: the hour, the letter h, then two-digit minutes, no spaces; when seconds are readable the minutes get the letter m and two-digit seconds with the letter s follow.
7h42
